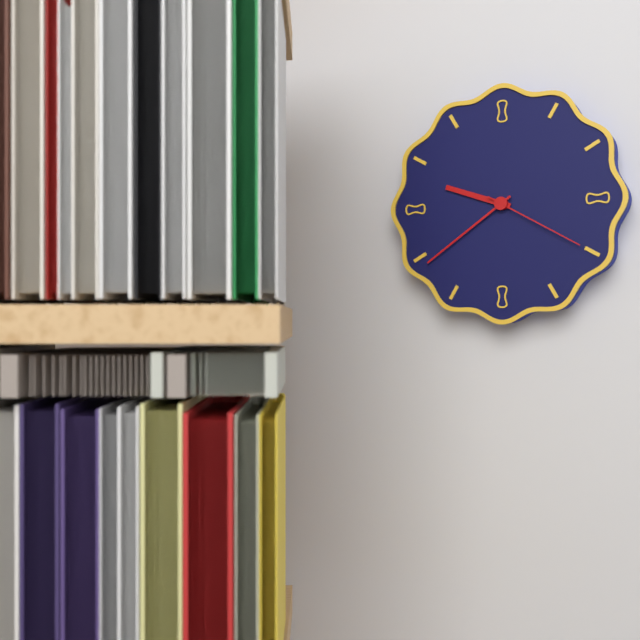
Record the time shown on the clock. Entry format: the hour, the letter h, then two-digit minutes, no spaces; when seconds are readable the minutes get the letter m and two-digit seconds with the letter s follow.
9h39m20s
